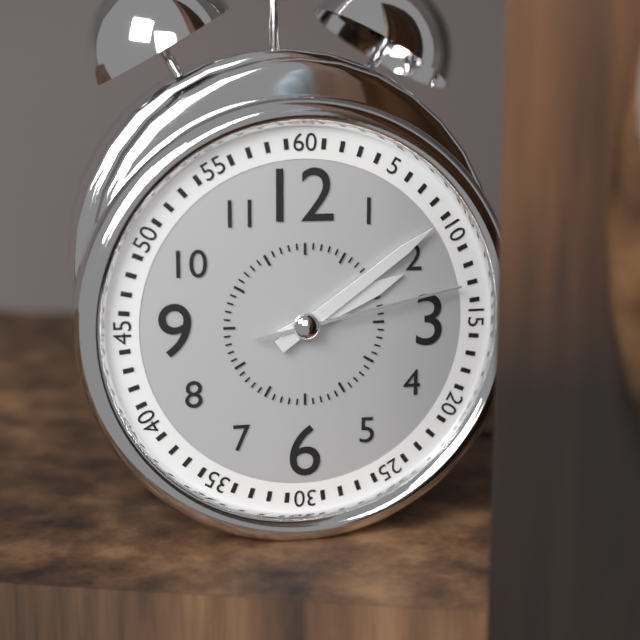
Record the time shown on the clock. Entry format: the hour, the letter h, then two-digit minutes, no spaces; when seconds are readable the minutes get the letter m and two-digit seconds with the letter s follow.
2h09m13s
